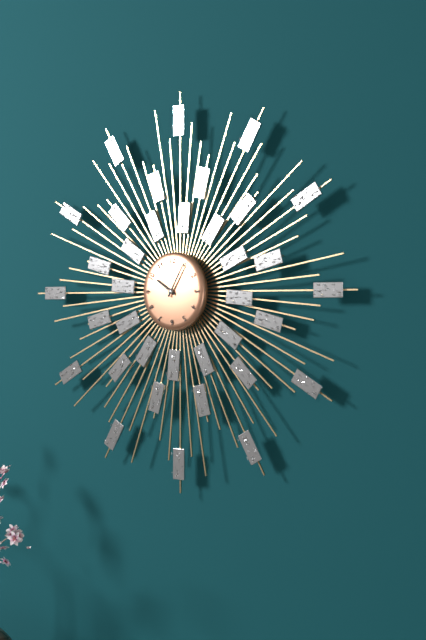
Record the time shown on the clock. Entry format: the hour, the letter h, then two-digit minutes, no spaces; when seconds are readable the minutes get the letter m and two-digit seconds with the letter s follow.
10h05
